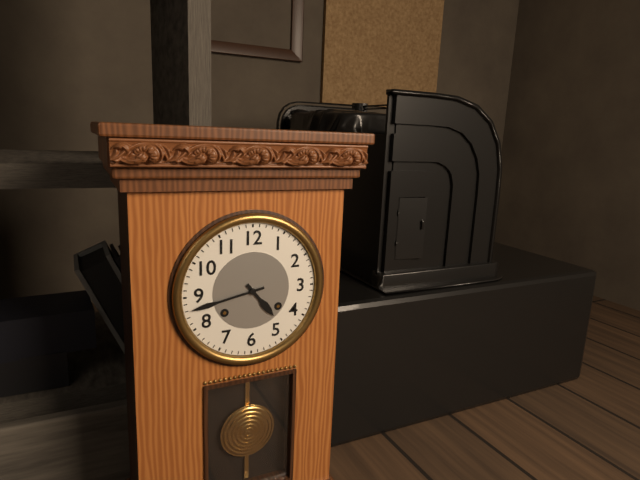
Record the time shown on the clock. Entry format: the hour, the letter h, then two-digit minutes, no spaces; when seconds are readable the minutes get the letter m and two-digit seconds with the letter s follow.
4h43
